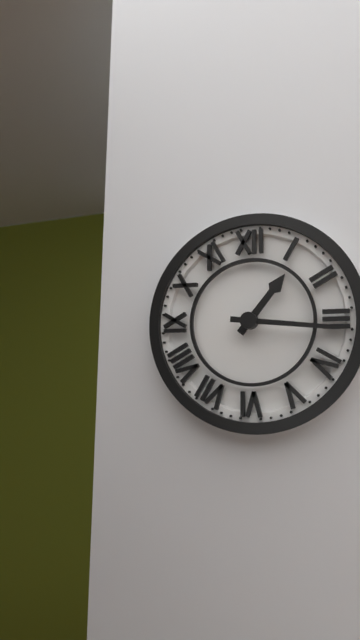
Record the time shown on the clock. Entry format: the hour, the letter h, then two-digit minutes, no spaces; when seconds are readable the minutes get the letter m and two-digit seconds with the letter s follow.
1h16
